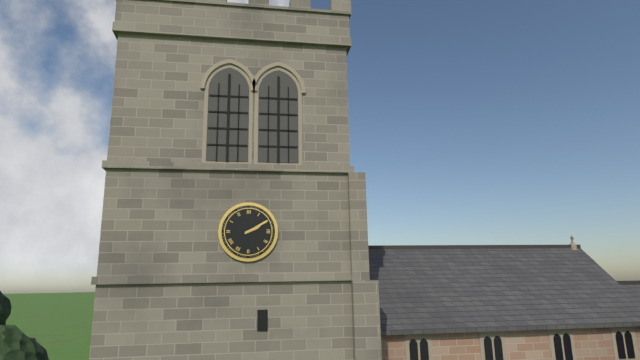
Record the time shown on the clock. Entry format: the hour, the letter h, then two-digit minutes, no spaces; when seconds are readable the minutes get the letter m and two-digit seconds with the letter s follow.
2h10
